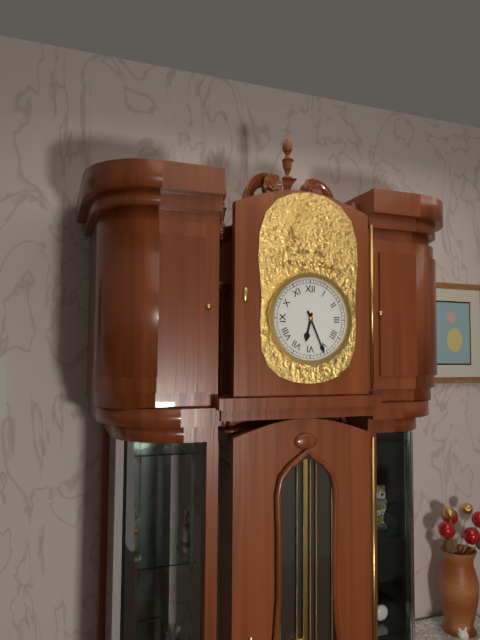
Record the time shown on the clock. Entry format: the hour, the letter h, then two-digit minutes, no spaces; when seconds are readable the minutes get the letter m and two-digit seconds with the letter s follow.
6h26
